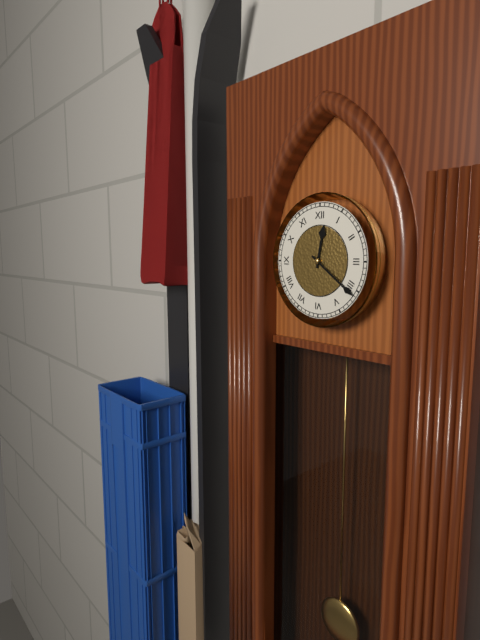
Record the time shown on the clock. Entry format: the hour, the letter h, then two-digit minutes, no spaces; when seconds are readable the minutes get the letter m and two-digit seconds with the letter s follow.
12h21
